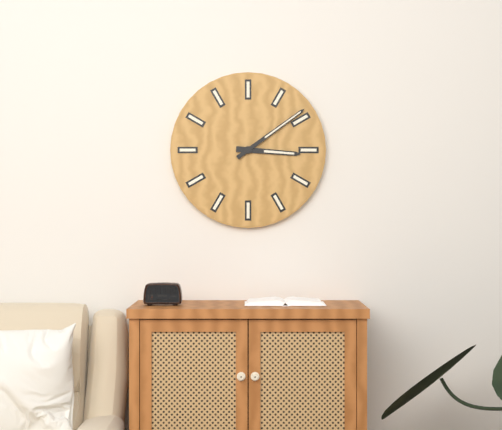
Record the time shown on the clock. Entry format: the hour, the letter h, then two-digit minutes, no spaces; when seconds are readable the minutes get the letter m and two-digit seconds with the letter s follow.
3h09
